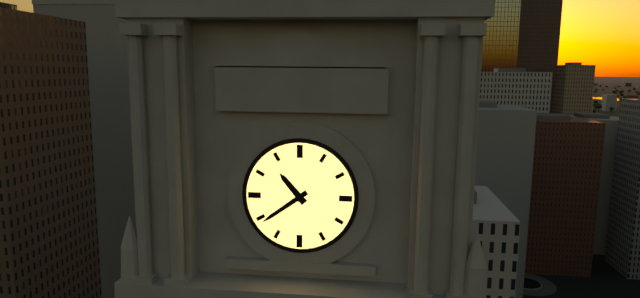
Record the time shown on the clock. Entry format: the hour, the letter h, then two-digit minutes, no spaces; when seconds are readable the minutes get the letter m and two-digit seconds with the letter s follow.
10h39
